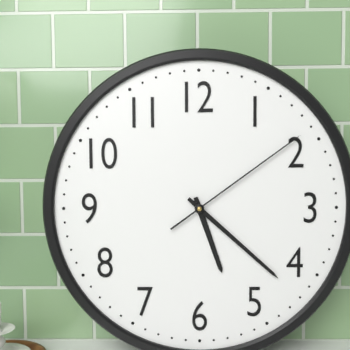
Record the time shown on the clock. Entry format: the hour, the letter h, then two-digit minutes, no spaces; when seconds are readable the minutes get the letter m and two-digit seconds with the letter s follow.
5h22m09s
